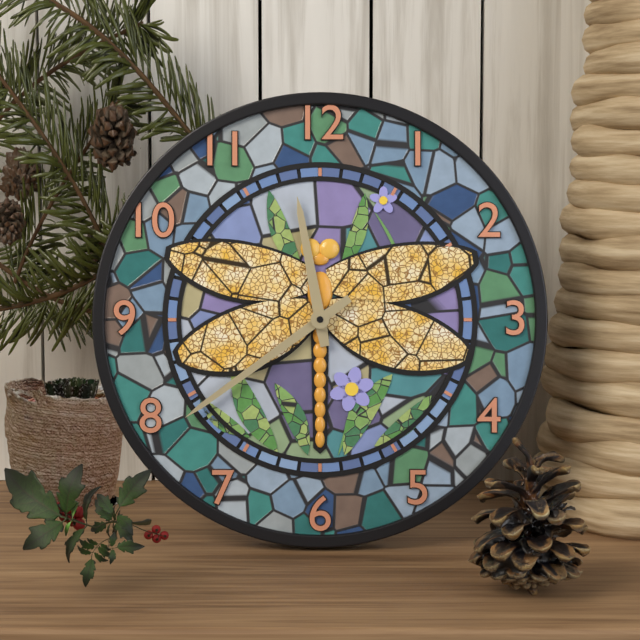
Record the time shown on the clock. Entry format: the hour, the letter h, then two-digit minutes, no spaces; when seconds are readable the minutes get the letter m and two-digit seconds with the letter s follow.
11h39
